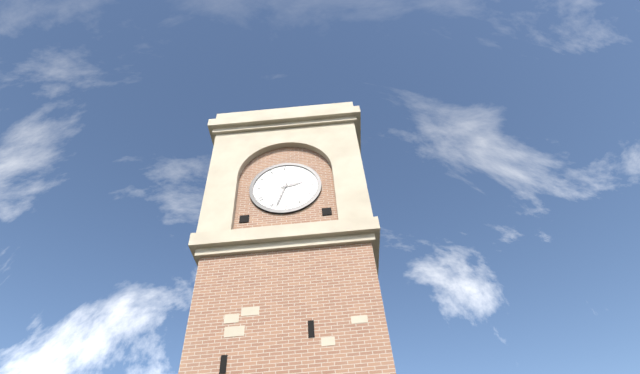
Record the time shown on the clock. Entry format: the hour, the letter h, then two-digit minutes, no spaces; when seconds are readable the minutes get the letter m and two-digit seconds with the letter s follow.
2h33
